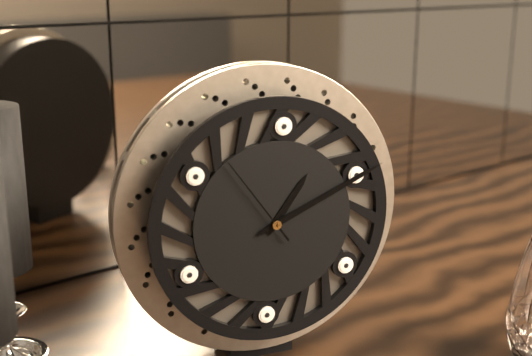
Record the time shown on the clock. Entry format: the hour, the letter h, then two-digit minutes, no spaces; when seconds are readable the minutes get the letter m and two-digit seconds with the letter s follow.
1h11m54s
